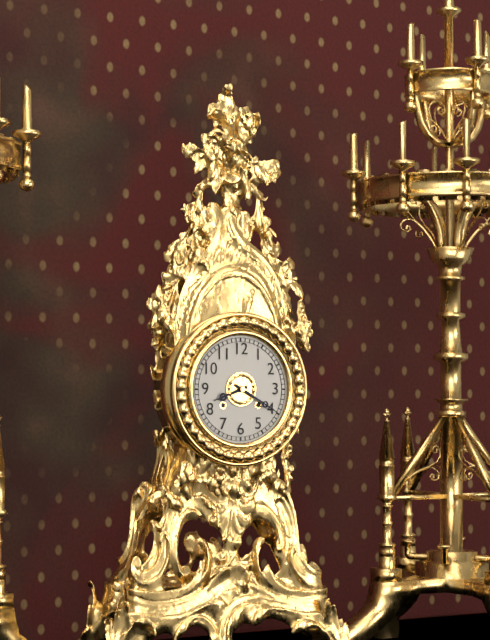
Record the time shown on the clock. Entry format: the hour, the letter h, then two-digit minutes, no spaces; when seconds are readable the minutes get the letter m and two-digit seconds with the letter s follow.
8h20
